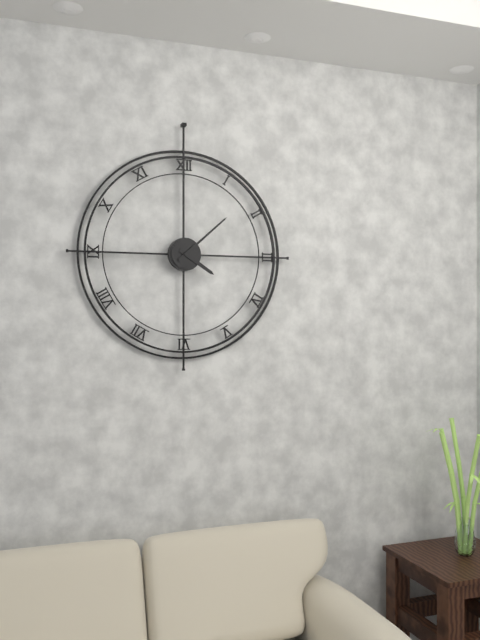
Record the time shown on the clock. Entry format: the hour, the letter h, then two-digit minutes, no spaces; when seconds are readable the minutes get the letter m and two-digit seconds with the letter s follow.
4h08
